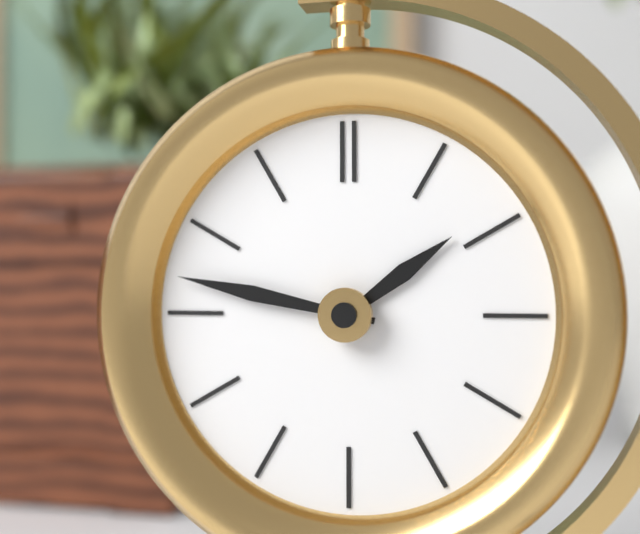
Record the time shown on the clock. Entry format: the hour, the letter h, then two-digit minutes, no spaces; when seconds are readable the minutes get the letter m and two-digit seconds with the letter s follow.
1h47
